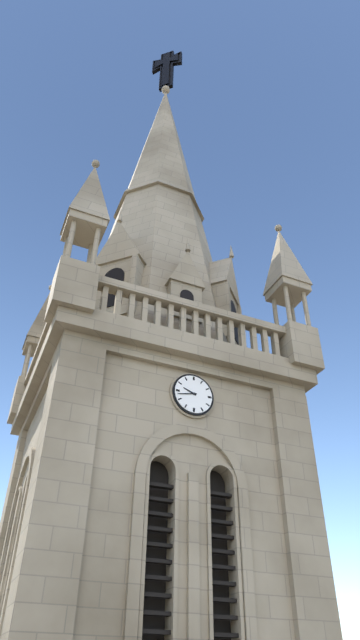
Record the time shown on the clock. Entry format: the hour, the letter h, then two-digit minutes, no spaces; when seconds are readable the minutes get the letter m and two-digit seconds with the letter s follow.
9h43
